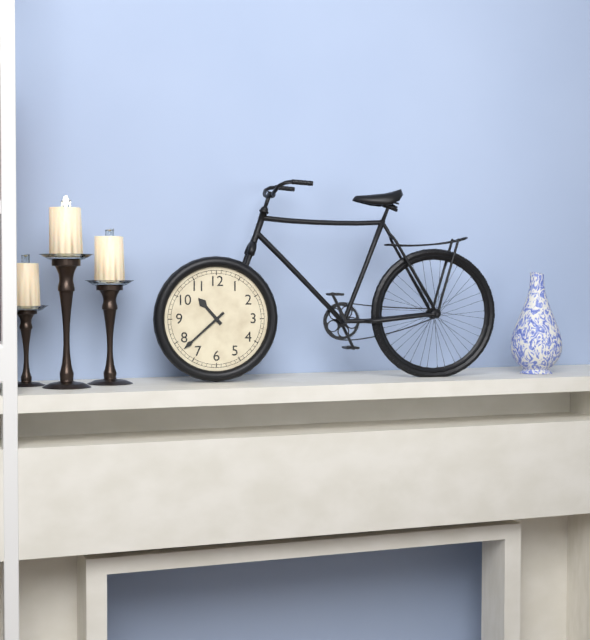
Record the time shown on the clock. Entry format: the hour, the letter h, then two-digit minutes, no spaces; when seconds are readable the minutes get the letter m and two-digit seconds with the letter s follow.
10h38
